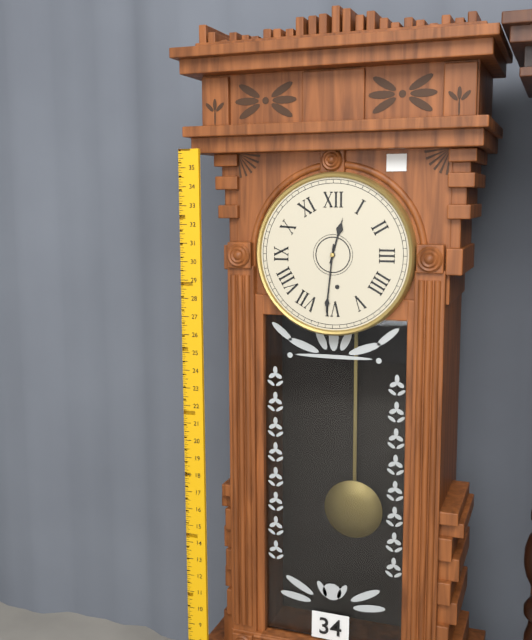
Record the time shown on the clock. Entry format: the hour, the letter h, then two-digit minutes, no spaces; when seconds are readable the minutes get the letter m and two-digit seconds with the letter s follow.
12h31
